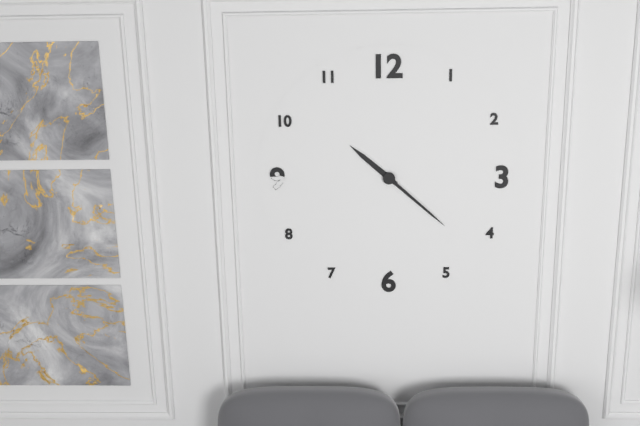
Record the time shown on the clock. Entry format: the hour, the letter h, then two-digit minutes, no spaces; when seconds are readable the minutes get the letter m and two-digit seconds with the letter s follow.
10h22
